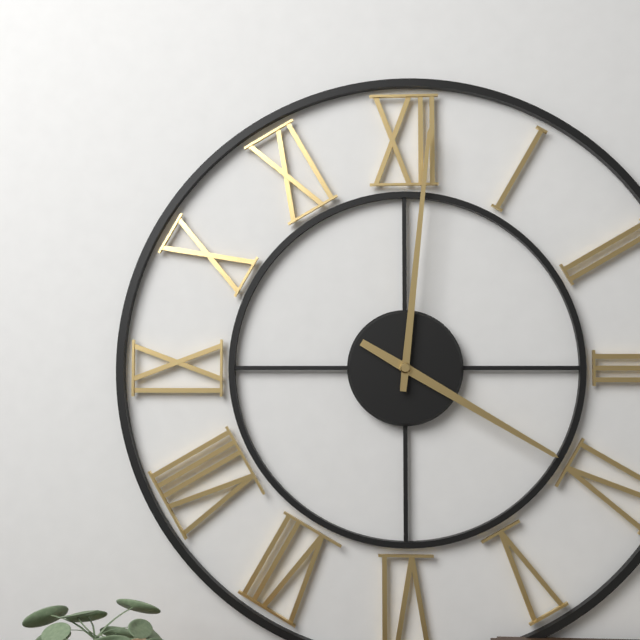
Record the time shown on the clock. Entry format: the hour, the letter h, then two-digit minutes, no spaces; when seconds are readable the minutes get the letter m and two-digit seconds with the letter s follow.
4h01
